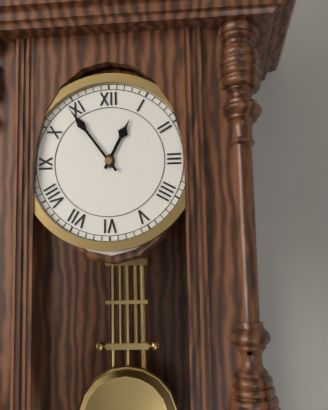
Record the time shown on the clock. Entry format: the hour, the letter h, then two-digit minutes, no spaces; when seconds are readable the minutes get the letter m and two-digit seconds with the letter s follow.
12h54
